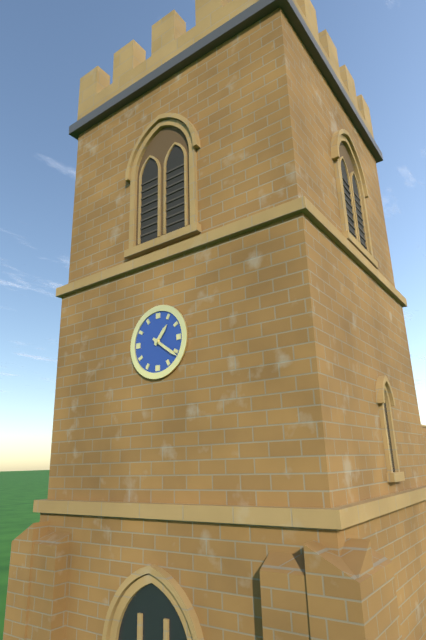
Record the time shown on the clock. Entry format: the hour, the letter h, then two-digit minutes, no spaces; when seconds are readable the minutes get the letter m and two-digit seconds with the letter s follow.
1h21
